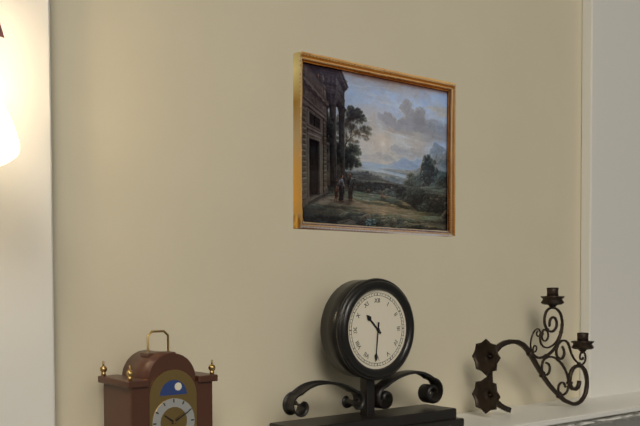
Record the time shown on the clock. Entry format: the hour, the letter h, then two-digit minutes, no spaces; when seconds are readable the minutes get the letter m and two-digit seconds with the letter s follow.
10h31
